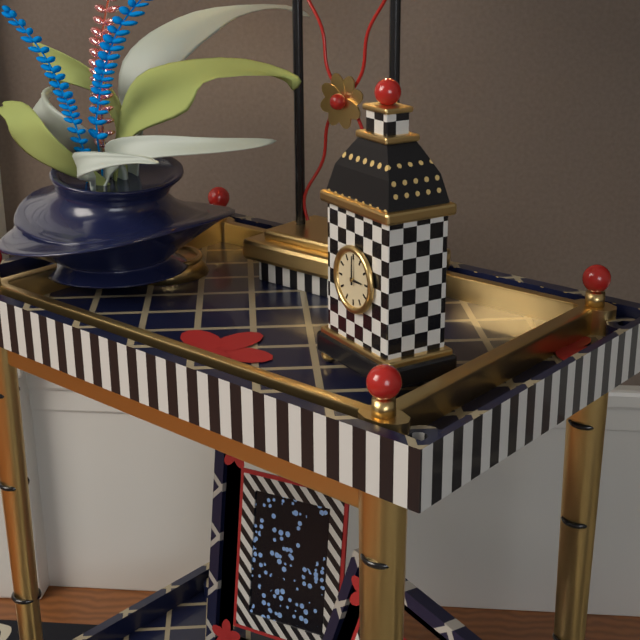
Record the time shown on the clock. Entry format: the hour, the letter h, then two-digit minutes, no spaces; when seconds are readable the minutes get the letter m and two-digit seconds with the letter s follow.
3h00
